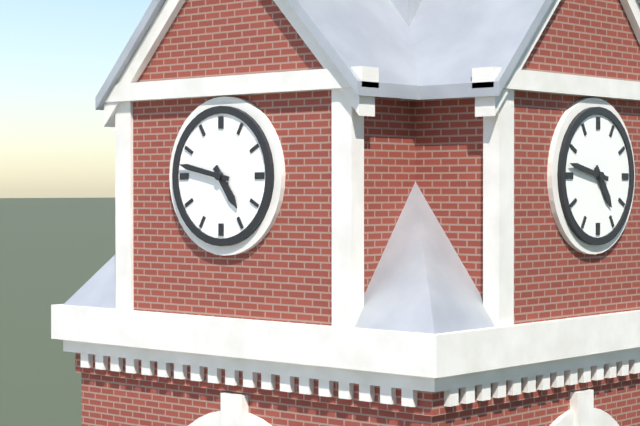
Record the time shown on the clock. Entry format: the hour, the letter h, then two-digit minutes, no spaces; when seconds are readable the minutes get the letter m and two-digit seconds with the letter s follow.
4h47
